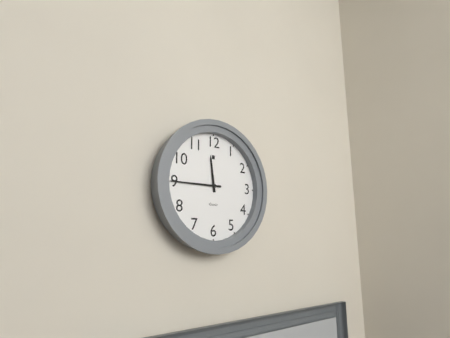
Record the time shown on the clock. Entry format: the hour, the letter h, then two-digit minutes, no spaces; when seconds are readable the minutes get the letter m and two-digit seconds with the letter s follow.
11h45
